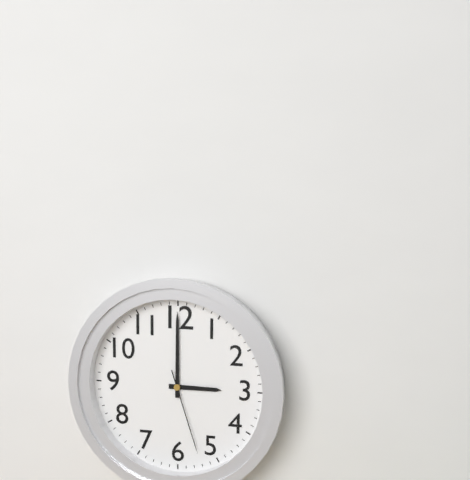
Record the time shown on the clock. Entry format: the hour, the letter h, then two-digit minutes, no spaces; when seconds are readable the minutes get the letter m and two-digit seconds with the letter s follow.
3h00m27s
